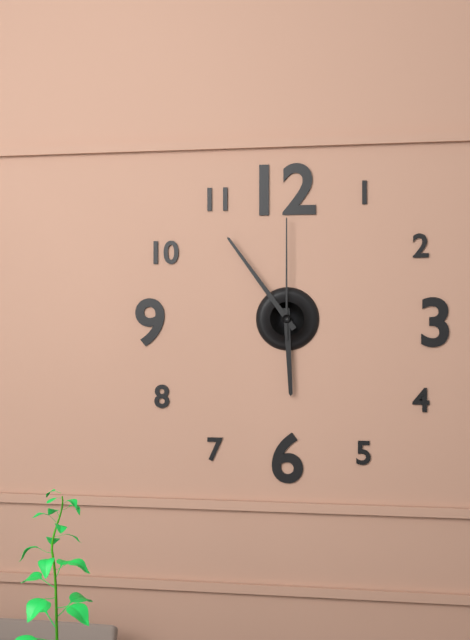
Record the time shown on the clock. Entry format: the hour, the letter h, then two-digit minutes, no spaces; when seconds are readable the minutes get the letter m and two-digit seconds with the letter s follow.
5h54m00s
